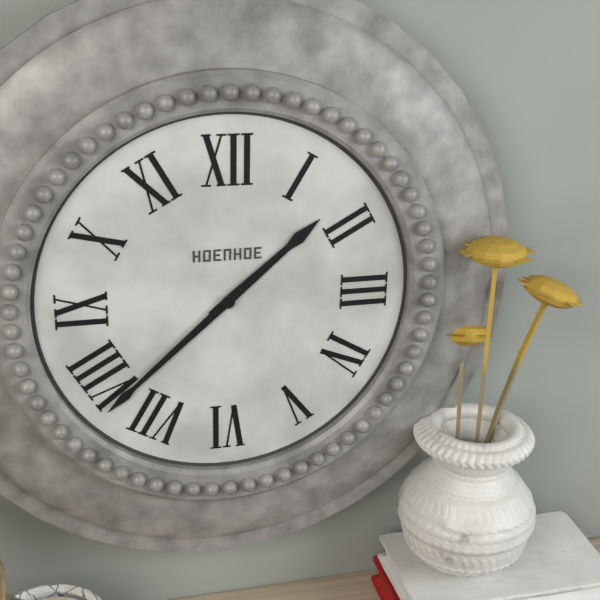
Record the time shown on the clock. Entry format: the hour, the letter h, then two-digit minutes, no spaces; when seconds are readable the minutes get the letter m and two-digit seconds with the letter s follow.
1h38
